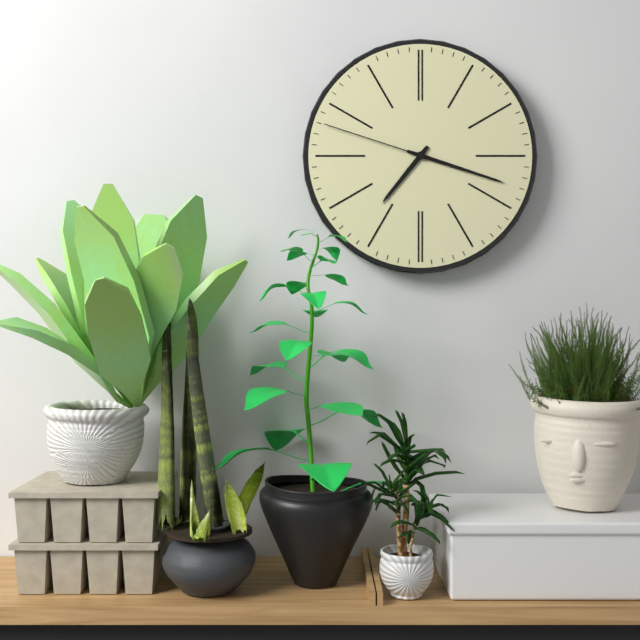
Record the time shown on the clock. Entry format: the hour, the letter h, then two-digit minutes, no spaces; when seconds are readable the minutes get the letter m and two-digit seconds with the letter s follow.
7h18m48s
